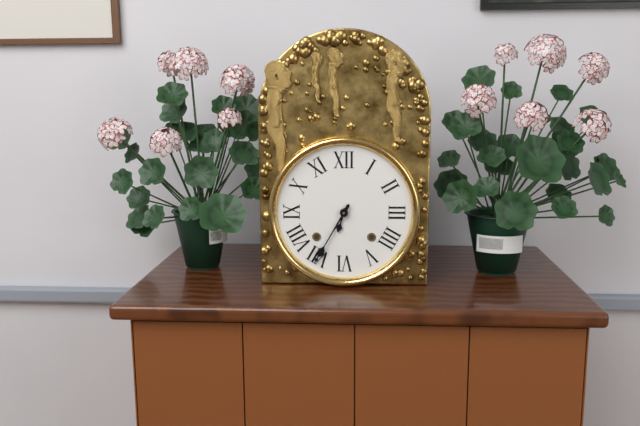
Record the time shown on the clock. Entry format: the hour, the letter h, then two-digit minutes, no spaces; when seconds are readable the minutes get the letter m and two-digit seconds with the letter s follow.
6h35
